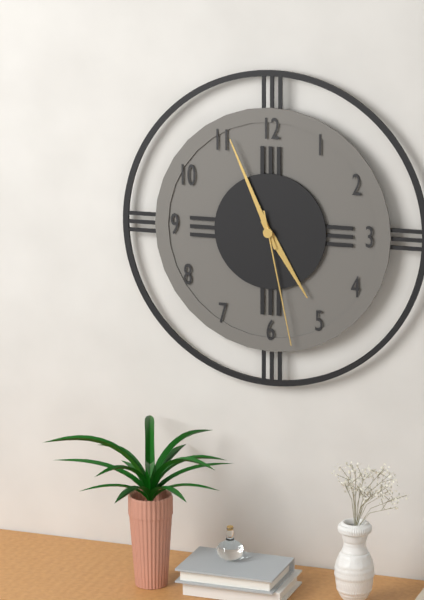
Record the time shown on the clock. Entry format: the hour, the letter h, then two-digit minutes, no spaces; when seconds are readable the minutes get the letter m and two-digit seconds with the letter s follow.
4h56m28s
